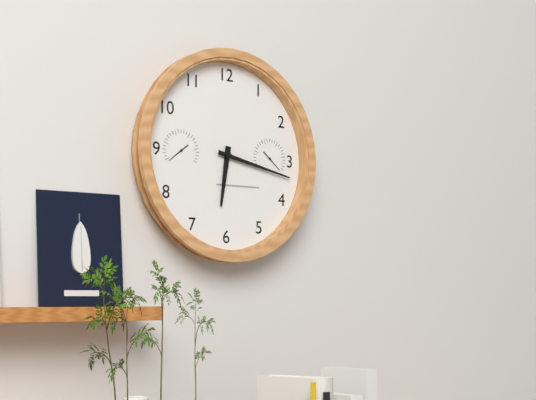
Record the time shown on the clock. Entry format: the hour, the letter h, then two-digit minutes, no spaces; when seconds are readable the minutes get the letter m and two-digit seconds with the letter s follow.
6h17
